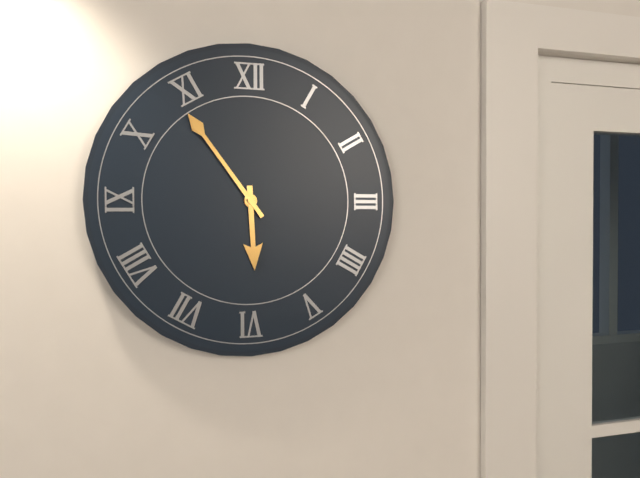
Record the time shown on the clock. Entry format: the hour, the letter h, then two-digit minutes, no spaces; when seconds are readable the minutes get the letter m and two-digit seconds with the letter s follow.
5h54
